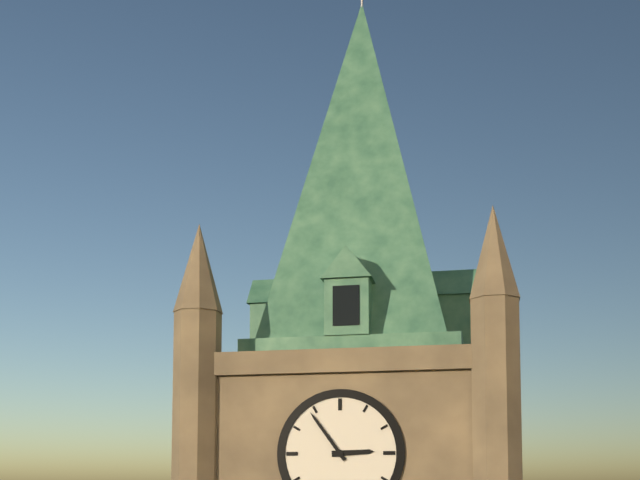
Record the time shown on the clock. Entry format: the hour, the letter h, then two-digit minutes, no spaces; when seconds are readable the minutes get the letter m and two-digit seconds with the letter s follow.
2h54
